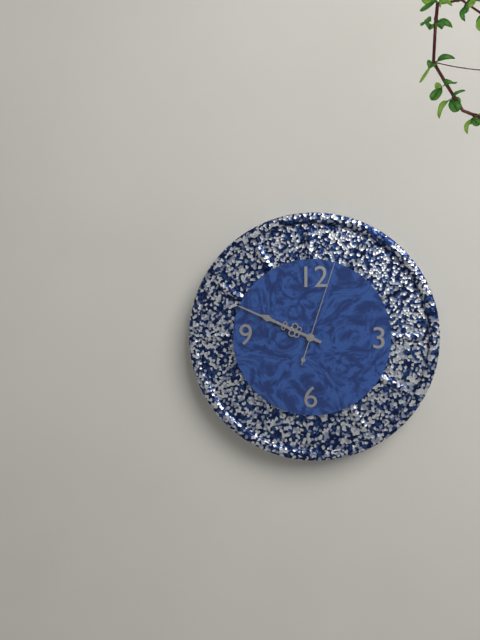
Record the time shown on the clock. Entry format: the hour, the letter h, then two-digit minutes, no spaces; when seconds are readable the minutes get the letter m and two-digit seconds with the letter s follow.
9h49m03s
